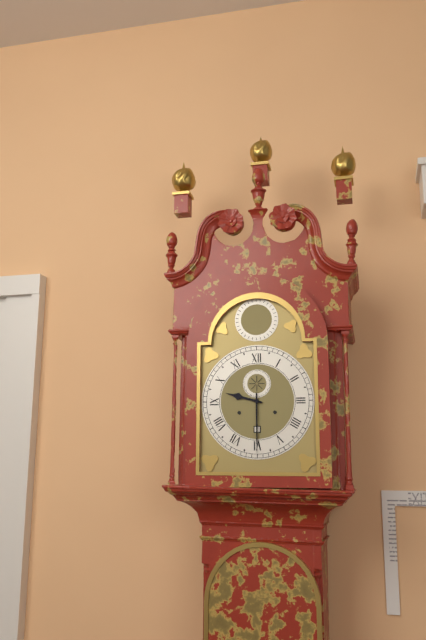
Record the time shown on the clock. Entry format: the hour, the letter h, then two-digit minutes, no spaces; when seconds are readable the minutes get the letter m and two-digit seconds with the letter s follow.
9h30
